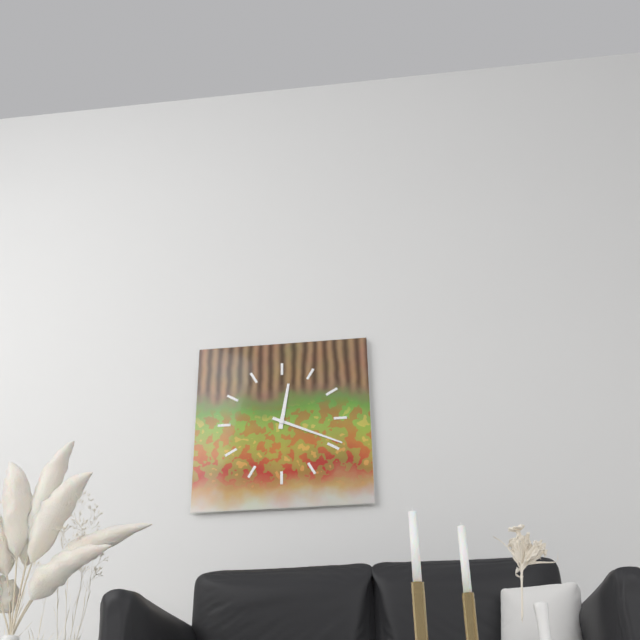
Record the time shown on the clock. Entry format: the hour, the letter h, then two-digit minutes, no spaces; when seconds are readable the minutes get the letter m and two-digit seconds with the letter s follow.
12h19
